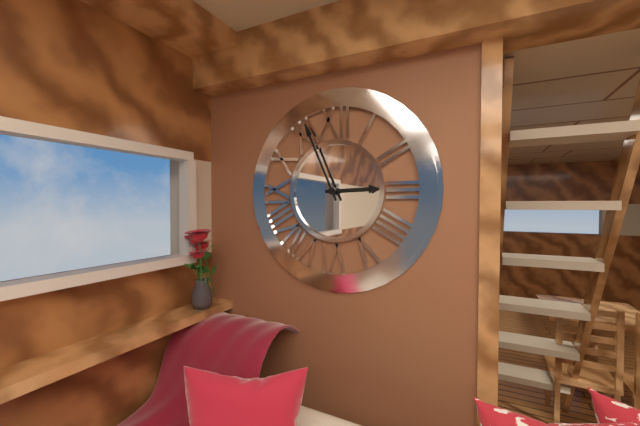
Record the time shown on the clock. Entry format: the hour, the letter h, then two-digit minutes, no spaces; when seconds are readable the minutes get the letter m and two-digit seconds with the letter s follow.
2h56
